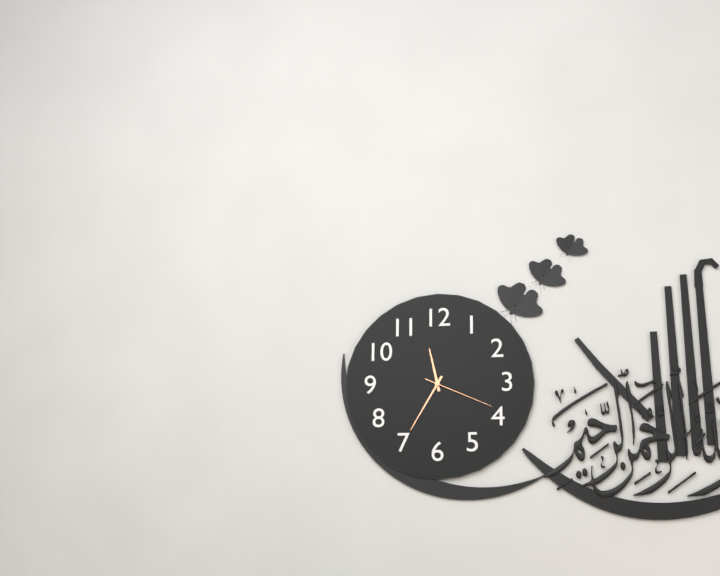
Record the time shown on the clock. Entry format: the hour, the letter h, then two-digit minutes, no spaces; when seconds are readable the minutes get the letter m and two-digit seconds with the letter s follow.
11h35m19s
